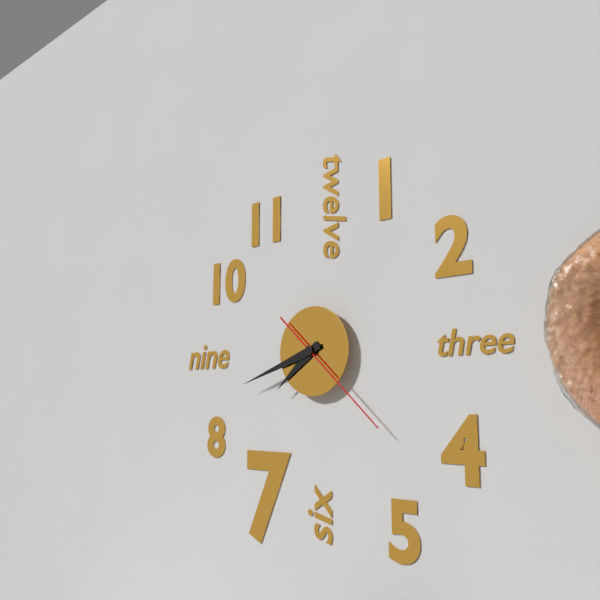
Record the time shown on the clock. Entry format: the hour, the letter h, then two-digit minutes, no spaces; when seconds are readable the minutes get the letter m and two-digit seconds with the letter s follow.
7h42m22s
